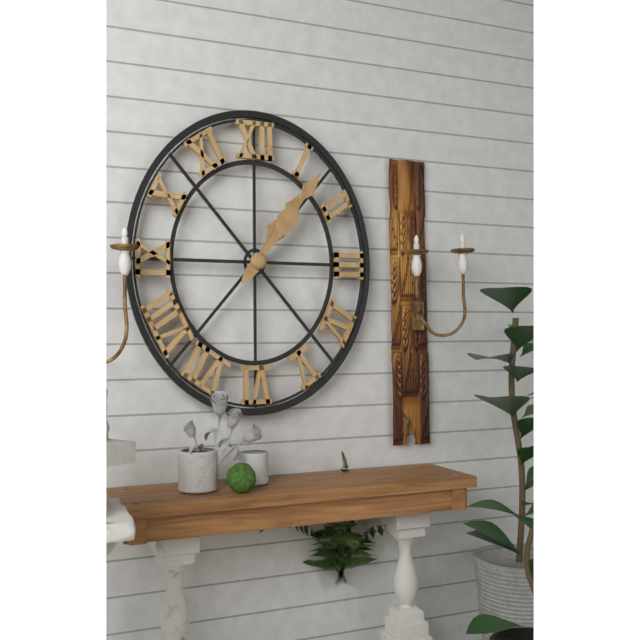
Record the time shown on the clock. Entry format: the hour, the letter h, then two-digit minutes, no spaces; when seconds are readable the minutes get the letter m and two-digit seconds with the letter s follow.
1h06
